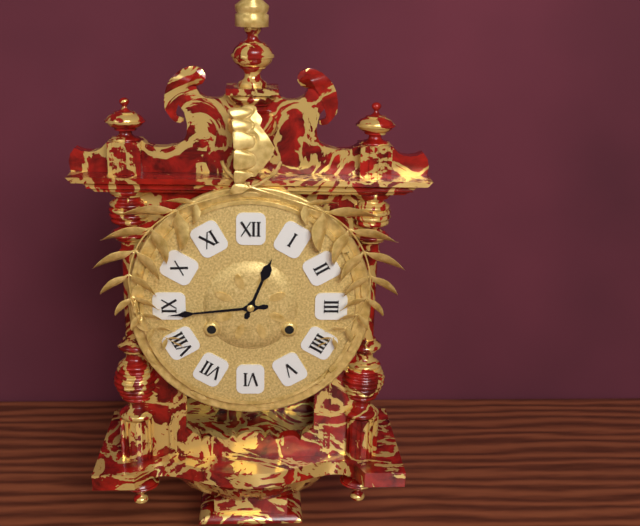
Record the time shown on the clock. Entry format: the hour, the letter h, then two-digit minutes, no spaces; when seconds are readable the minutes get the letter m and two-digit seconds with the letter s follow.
12h44
